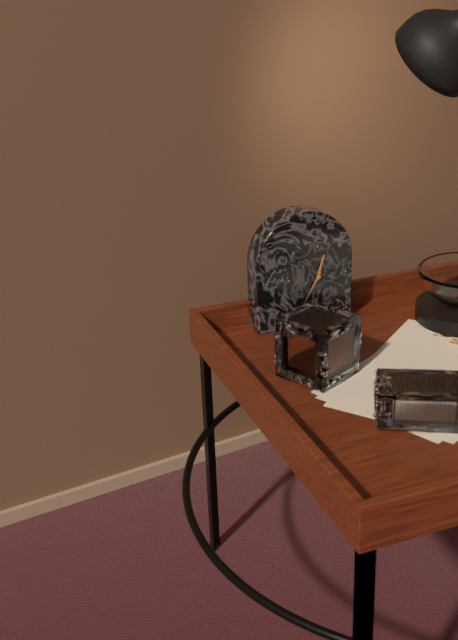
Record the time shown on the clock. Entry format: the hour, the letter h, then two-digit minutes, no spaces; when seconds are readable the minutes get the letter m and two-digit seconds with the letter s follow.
12h35
